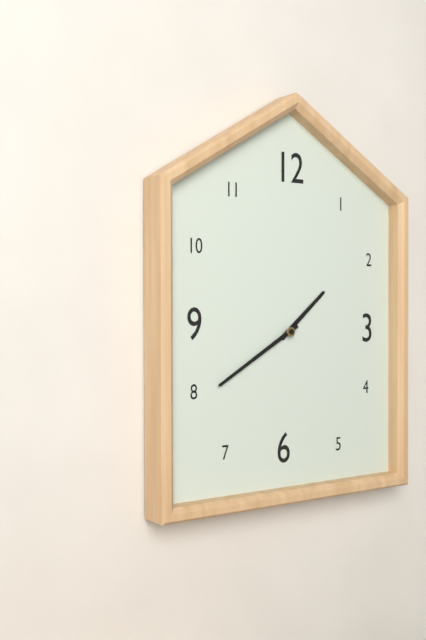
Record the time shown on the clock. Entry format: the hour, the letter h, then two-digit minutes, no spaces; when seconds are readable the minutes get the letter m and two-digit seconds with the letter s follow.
1h40
